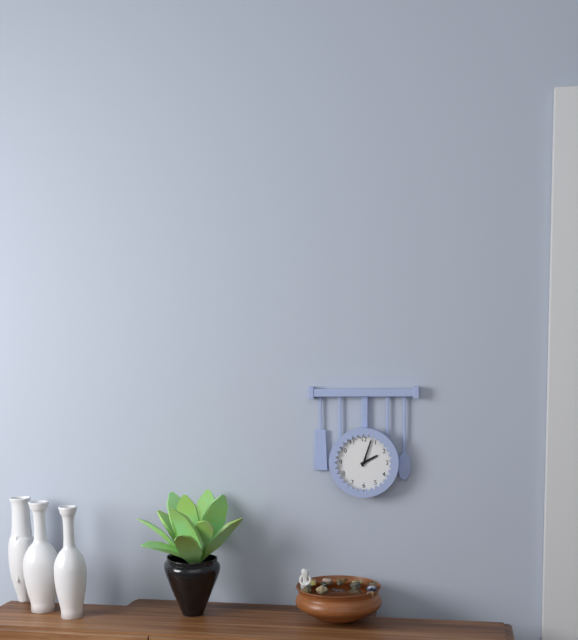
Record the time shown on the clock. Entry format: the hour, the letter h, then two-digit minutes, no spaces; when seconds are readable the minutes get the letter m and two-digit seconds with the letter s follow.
2h03
